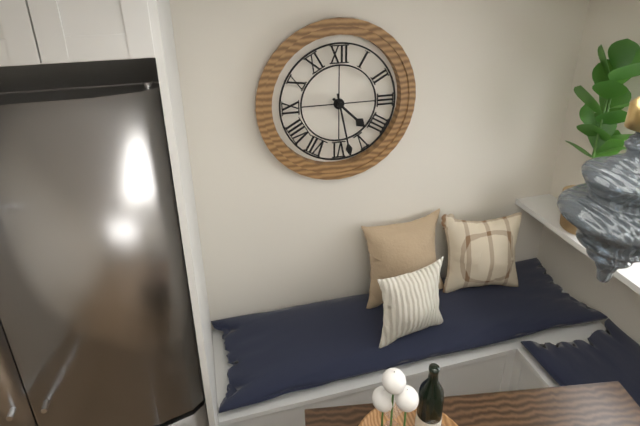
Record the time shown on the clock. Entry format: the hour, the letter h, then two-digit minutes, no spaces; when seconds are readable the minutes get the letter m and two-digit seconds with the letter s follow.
4h28
